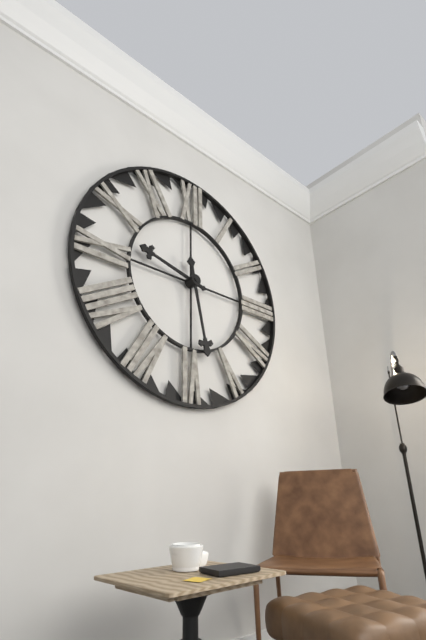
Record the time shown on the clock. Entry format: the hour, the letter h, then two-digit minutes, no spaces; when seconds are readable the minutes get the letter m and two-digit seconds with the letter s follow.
9h28
